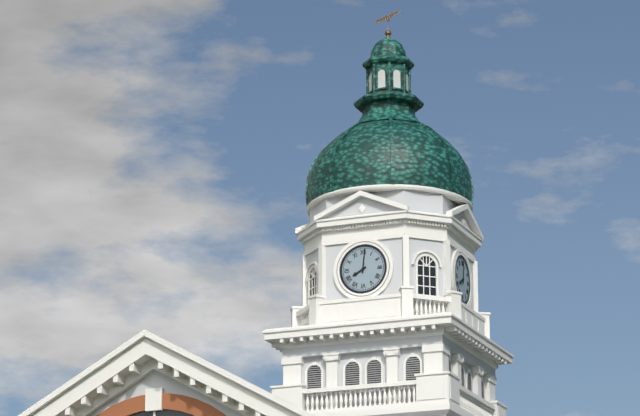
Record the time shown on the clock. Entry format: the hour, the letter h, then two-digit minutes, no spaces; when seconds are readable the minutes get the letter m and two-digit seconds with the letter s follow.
8h01
